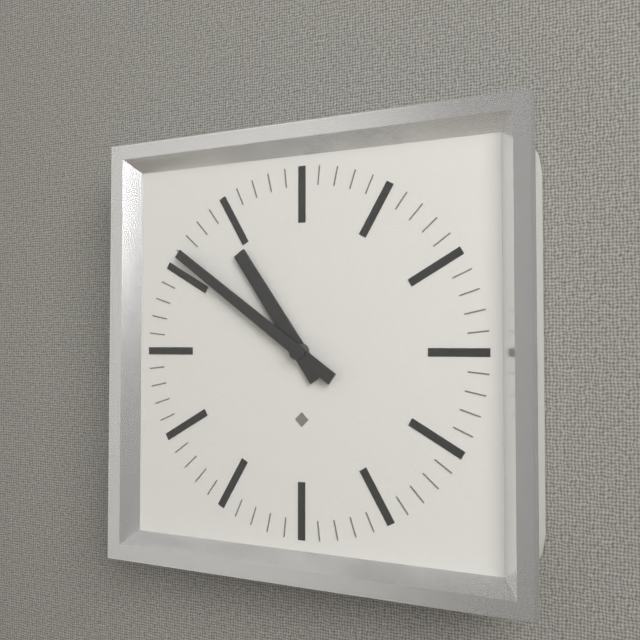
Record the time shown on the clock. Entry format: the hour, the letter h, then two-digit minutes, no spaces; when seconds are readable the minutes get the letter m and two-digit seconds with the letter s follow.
10h51
